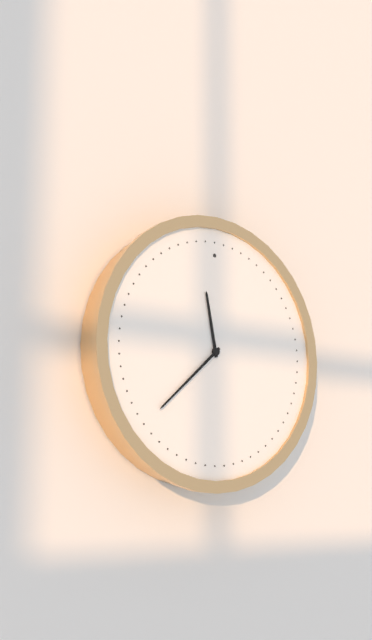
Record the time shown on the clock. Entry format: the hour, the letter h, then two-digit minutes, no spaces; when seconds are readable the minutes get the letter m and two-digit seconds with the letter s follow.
11h38
